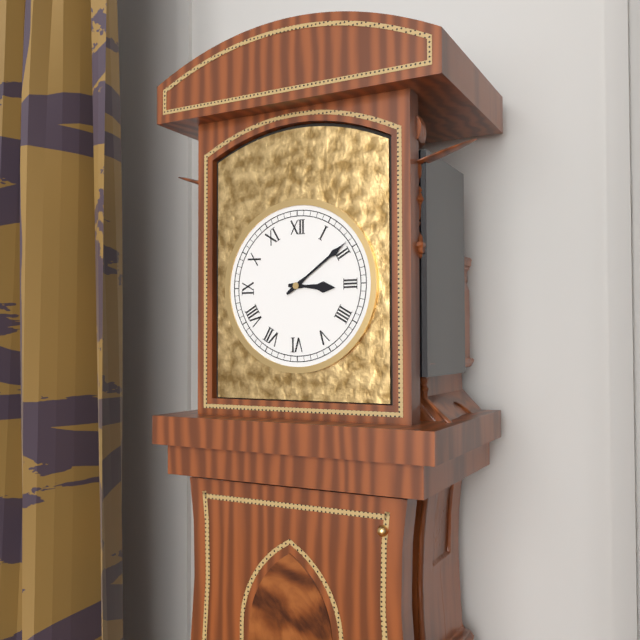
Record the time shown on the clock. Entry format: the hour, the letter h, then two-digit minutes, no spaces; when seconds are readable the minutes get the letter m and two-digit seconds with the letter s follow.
3h09
